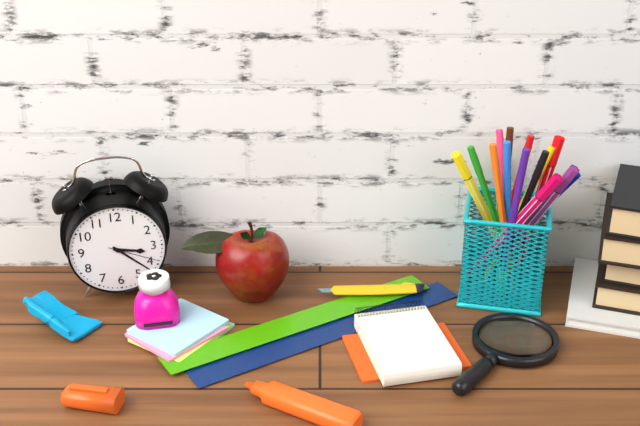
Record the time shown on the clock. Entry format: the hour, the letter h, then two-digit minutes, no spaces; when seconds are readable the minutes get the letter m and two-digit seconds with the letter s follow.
3h22m19s
